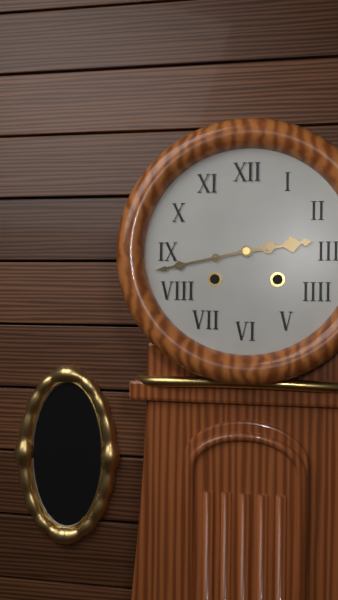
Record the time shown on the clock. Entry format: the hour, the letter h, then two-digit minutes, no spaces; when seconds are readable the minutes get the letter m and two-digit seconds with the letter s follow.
2h43
